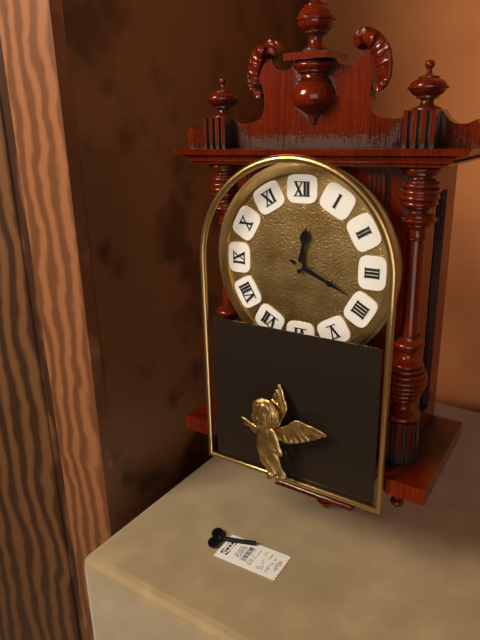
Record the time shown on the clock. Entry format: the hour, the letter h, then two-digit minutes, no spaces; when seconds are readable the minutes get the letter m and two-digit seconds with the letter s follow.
12h19
